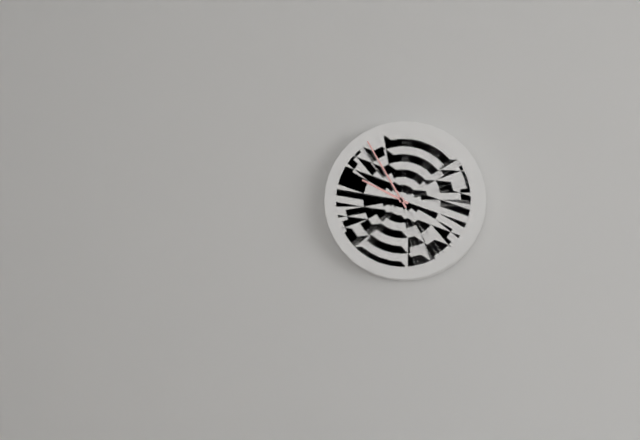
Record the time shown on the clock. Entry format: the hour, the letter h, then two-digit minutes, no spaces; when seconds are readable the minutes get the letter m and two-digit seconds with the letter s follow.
9h55
